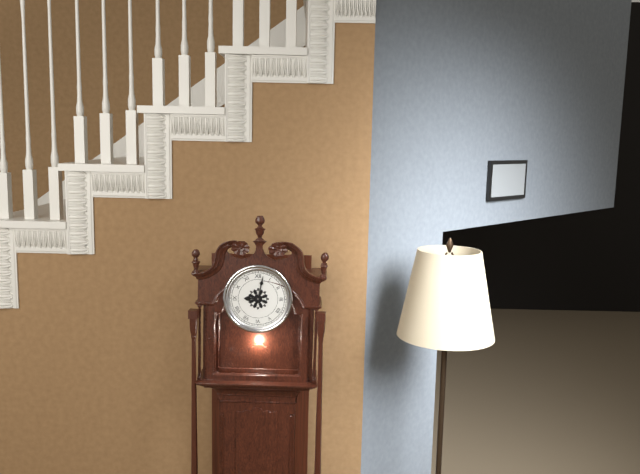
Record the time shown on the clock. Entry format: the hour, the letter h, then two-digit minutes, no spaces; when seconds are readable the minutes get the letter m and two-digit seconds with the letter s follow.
9h02
